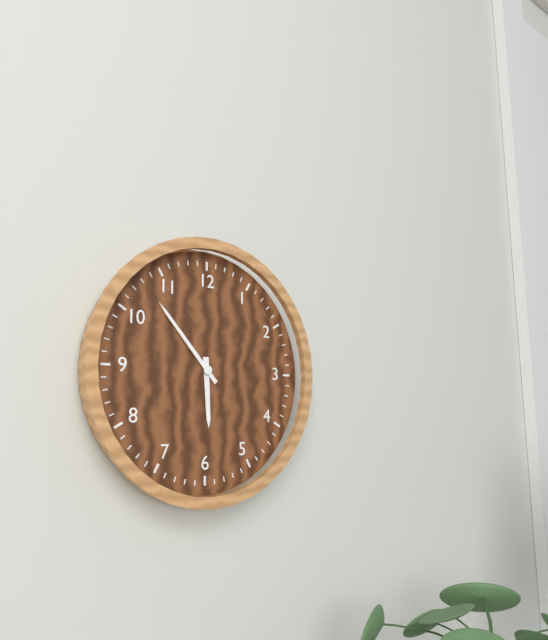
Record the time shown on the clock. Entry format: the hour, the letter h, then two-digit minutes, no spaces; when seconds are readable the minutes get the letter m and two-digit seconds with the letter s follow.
5h53
